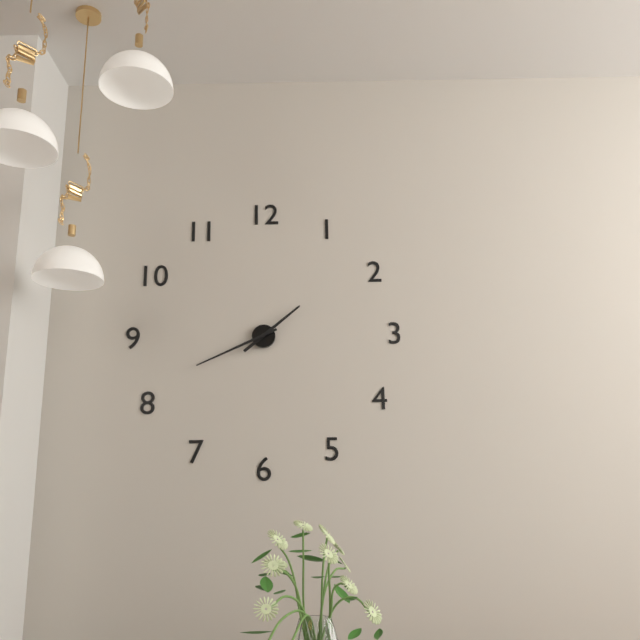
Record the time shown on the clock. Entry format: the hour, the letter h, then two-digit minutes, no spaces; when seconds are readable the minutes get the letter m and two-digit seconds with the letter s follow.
1h41
